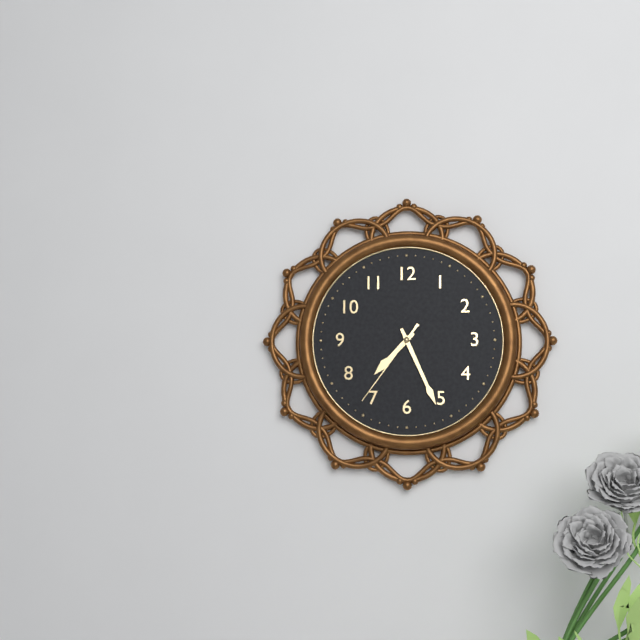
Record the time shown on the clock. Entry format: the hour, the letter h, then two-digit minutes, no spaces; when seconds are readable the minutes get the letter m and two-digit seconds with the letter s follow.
7h26m36s
